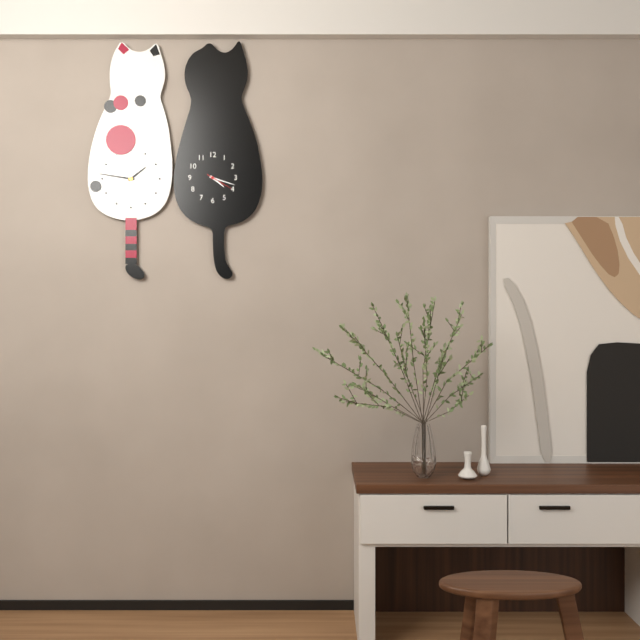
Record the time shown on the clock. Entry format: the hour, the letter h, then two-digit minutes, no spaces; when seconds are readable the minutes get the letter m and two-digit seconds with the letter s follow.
4h18
